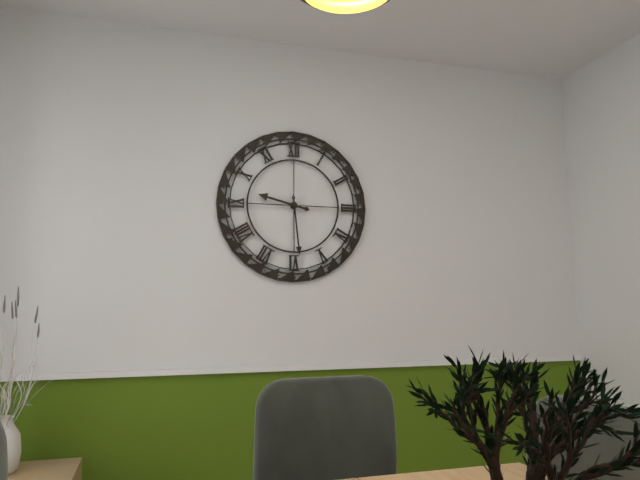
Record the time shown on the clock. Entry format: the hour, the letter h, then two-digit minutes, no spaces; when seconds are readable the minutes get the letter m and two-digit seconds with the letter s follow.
9h29
